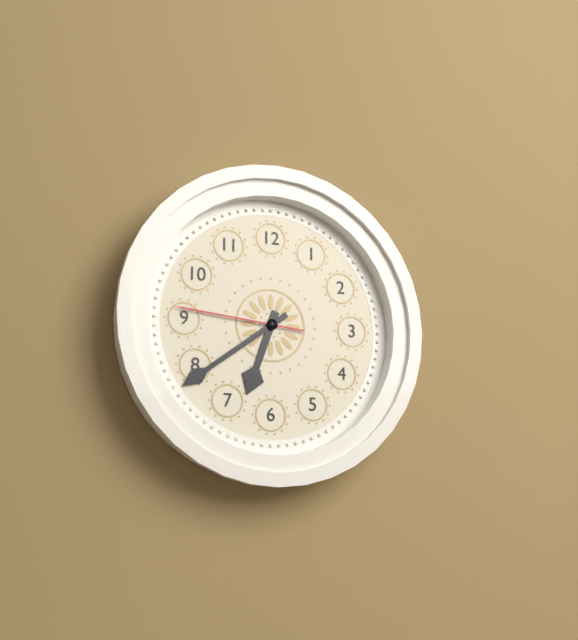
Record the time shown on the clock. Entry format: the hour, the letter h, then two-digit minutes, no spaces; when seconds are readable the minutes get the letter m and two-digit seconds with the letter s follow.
6h39m46s
